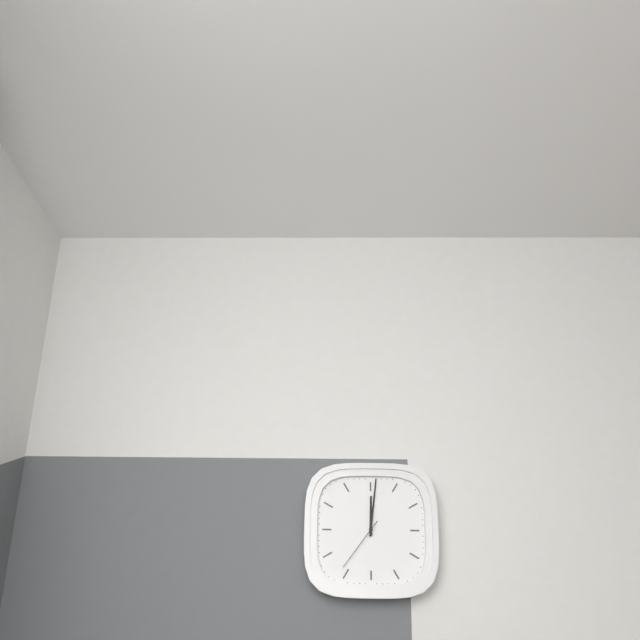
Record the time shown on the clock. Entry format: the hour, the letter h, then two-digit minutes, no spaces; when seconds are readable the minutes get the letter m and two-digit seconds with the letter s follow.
12h01m36s
